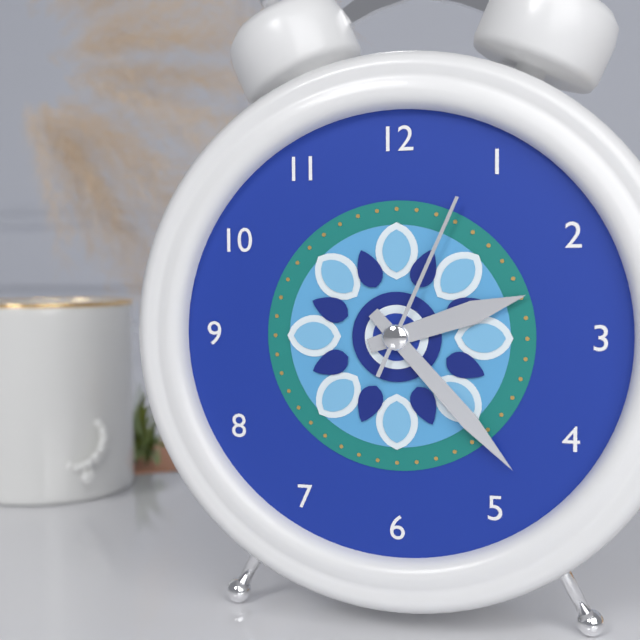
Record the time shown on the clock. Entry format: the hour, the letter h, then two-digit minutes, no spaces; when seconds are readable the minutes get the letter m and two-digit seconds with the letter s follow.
2h23m04s
